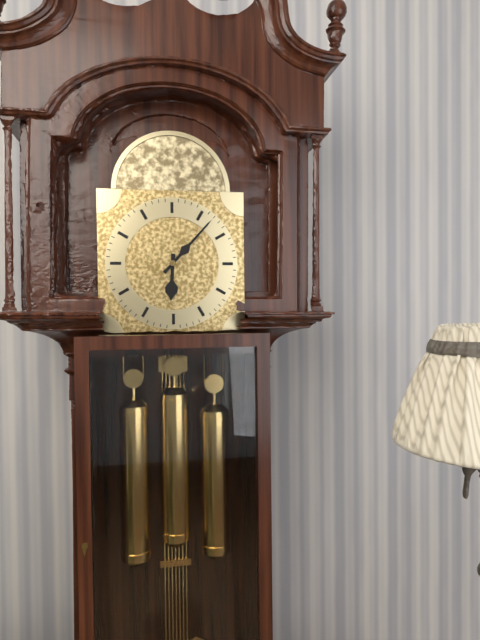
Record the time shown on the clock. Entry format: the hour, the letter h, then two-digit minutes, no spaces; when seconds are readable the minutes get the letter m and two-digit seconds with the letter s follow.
6h07
